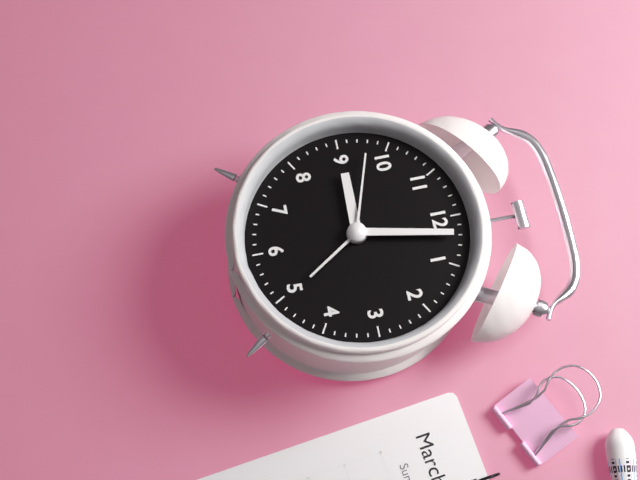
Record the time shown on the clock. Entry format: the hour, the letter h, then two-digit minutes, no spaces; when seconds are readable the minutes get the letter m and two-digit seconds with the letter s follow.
9h02m48s
